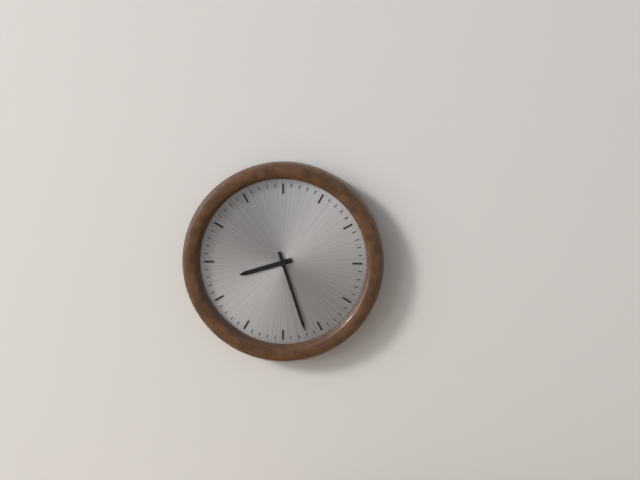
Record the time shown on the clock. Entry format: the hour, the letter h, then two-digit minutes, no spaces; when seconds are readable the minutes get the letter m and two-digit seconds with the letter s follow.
8h27
